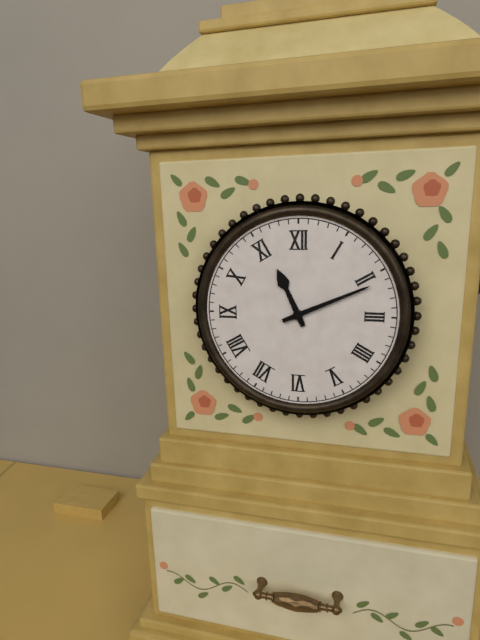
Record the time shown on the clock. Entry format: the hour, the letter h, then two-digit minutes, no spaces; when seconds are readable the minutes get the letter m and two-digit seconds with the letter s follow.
11h11
